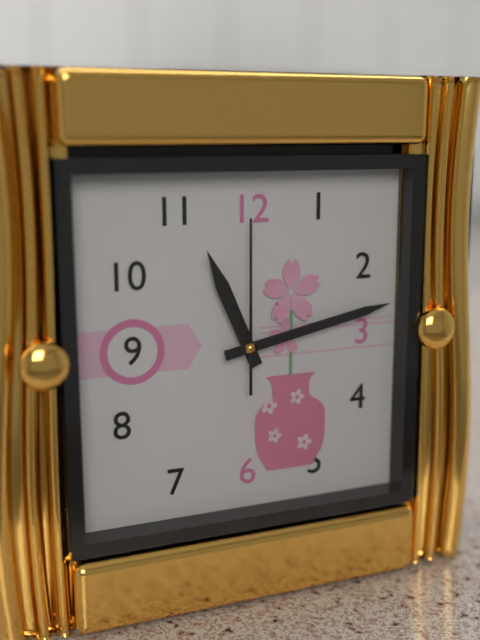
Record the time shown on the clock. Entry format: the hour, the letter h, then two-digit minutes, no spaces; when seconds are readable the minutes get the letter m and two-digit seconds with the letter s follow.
11h13m00s
